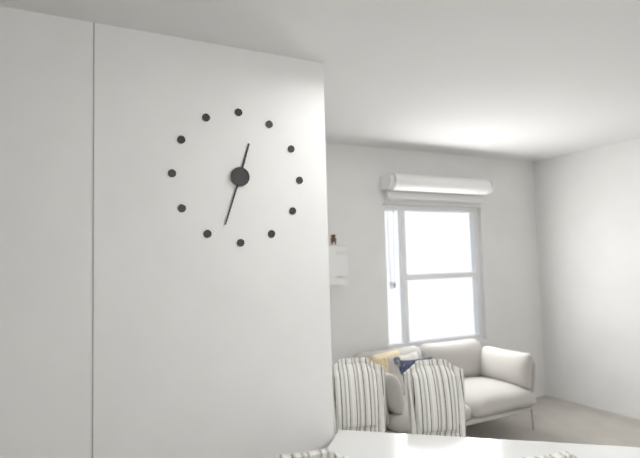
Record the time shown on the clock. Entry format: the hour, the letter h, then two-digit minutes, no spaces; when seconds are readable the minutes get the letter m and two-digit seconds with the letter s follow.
12h33
